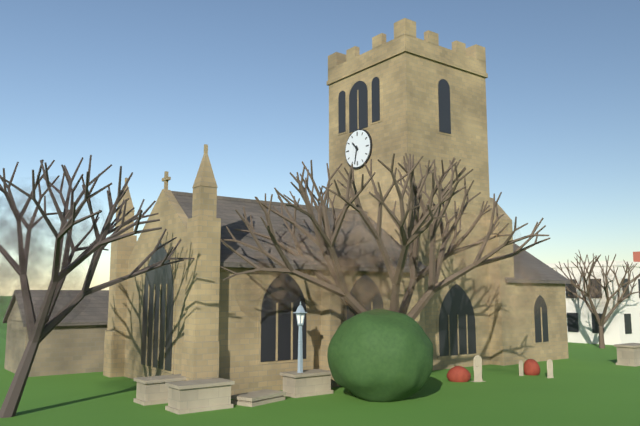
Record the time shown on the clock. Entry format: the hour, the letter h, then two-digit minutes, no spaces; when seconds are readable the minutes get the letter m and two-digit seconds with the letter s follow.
10h32
